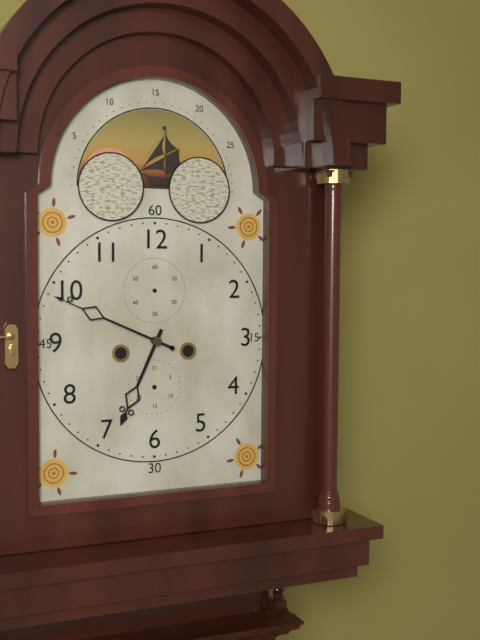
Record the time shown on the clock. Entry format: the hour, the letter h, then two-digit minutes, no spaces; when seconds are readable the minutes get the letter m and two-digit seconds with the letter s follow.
6h49
